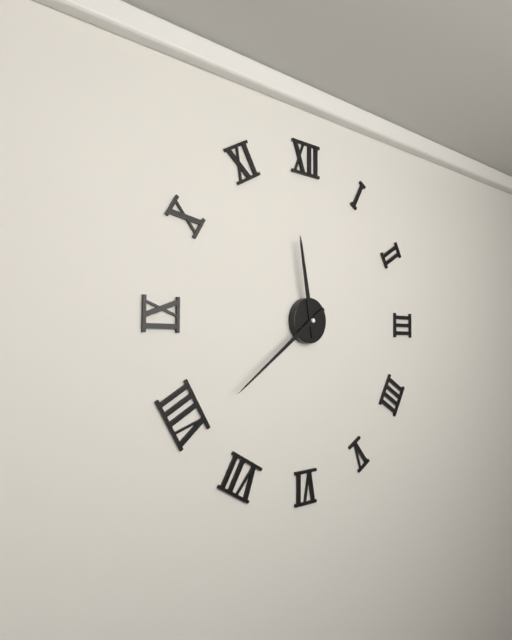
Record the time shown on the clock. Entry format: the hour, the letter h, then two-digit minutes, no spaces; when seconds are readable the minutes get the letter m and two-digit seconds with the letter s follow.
11h39
